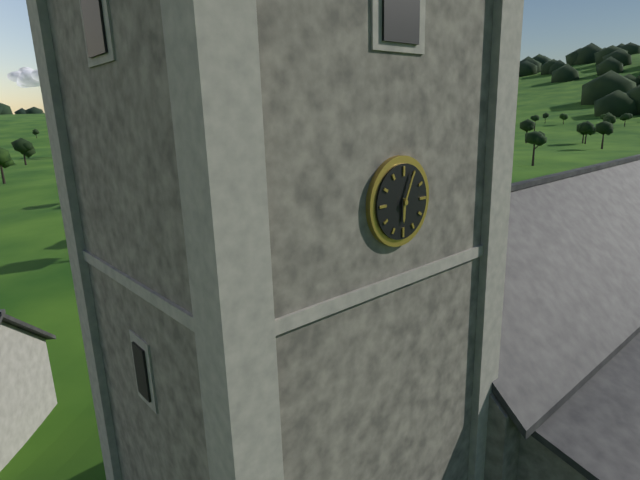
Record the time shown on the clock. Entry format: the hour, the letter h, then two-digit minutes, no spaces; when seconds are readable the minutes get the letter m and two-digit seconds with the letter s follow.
6h04
